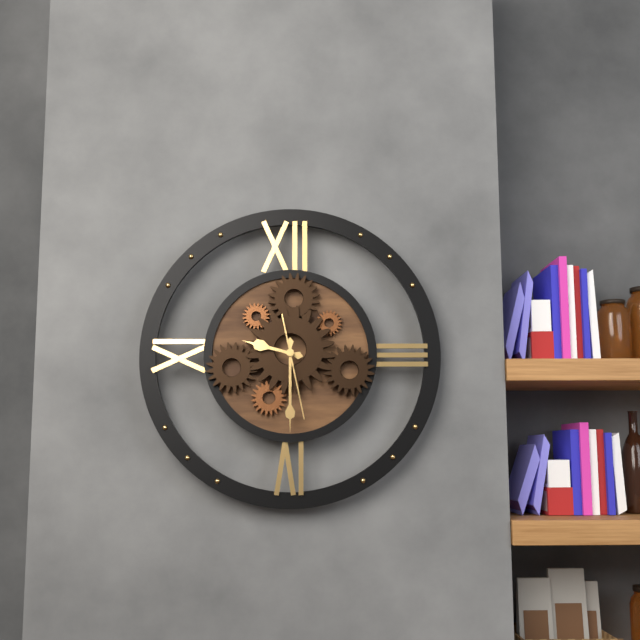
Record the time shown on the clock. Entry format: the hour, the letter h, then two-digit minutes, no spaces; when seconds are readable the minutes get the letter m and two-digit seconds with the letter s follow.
9h30m28s
